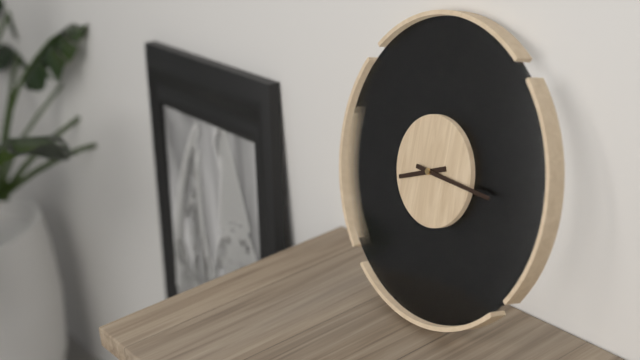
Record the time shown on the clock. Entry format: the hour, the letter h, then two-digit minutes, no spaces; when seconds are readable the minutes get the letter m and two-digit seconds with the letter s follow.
8h15
